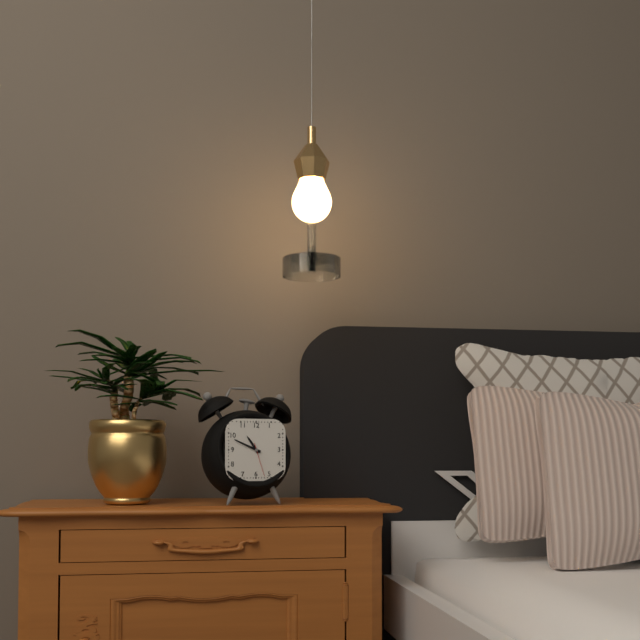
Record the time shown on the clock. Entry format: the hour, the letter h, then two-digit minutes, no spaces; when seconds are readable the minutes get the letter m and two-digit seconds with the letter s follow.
10h49
